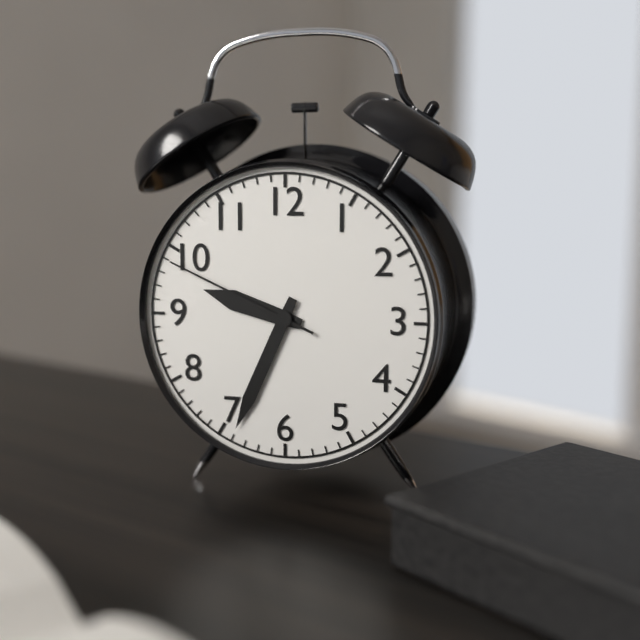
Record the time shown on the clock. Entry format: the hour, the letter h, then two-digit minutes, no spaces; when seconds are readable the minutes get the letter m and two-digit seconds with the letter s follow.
9h34m49s
